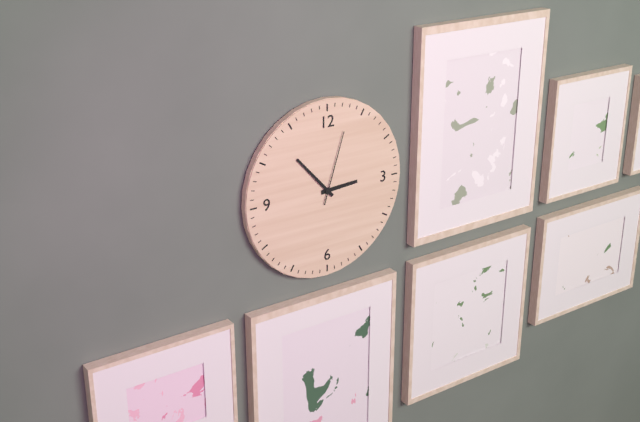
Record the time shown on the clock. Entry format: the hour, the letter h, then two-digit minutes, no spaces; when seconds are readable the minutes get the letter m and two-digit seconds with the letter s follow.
2h53m03s
